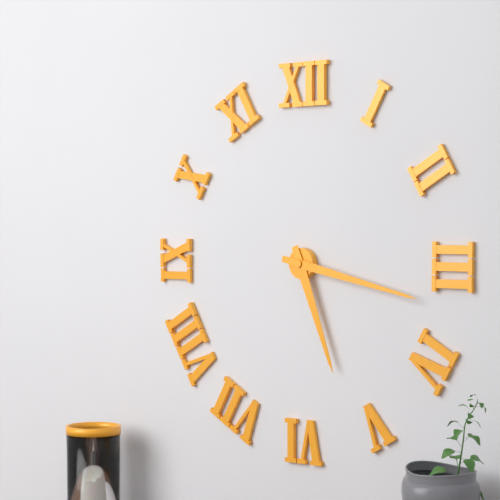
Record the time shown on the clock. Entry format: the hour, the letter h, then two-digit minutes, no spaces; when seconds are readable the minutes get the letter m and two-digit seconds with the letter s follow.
5h17
